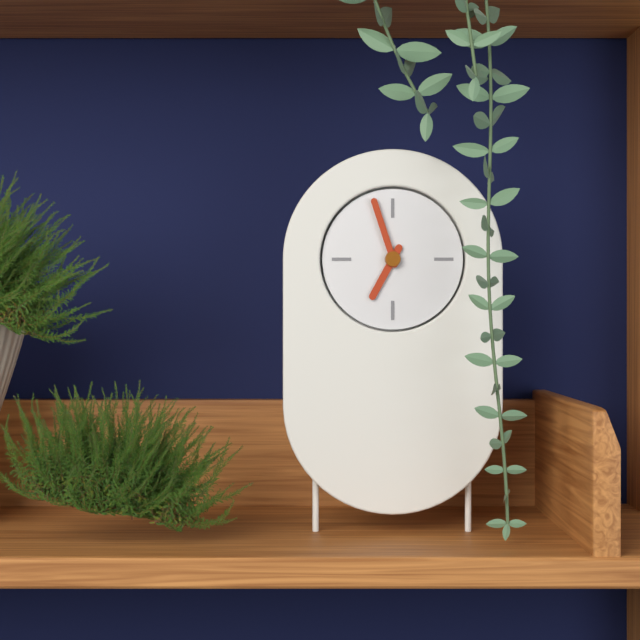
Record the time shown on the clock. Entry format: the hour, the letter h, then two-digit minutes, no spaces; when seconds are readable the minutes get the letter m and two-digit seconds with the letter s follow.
6h57
